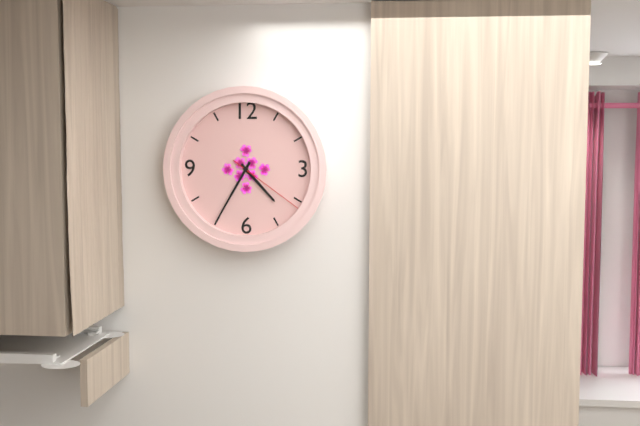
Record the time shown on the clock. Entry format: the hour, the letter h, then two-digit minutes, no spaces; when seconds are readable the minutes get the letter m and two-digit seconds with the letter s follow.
4h35m21s
